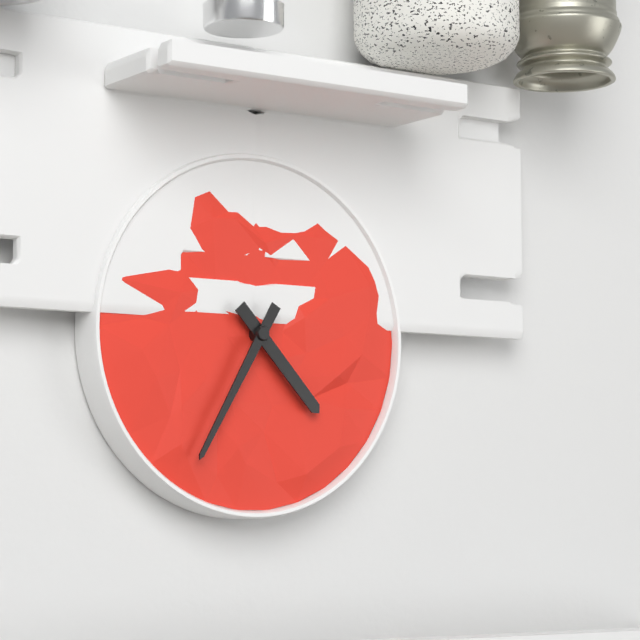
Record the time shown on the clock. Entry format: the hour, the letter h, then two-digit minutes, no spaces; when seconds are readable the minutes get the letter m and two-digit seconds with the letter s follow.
4h35
